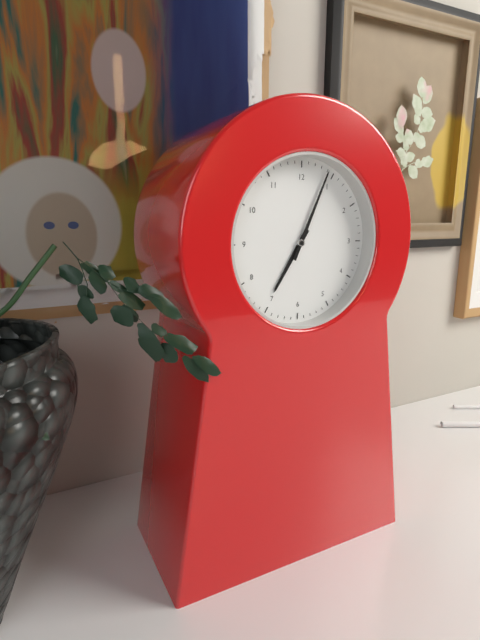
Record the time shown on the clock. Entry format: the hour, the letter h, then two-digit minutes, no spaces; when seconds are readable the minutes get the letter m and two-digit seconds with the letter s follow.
7h04
